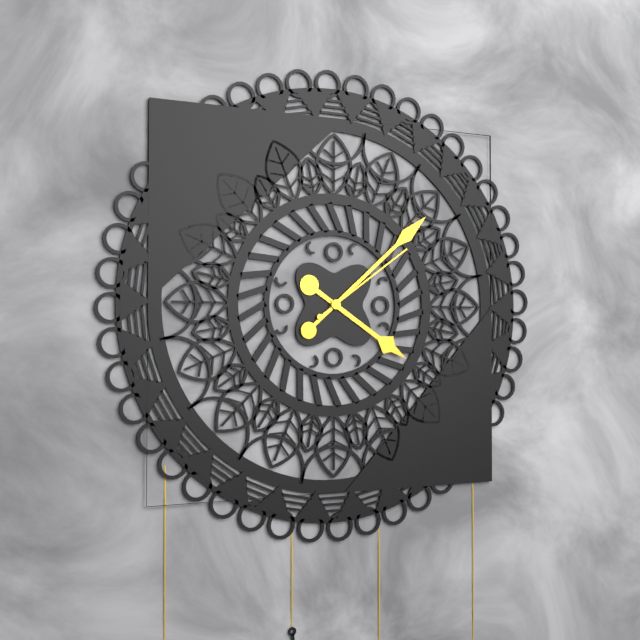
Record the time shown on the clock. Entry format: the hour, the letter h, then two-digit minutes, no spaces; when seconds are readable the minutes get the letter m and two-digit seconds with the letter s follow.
4h08m09s
